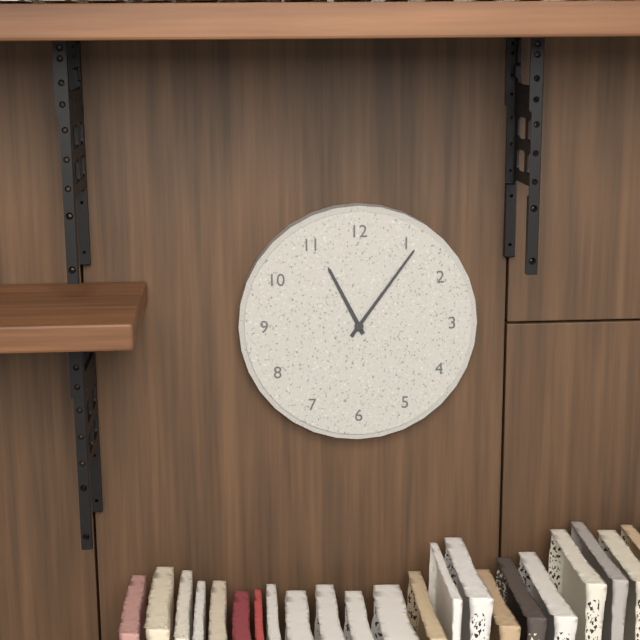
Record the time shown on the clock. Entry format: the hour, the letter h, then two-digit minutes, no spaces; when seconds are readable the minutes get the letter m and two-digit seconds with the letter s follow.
11h06
